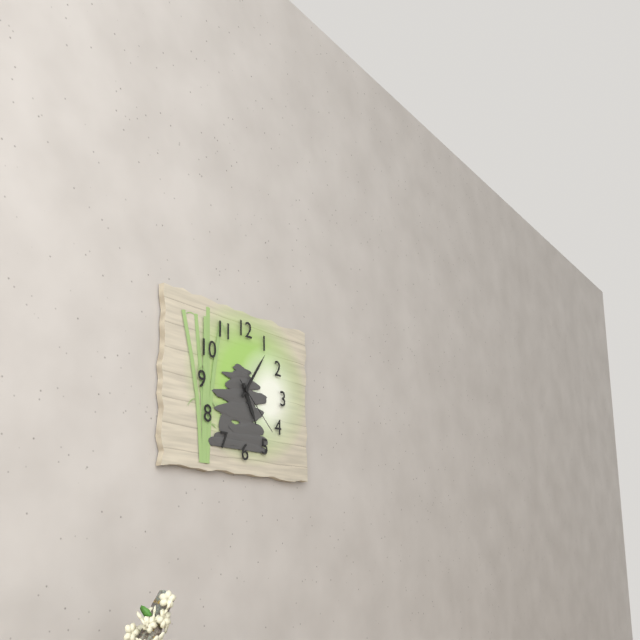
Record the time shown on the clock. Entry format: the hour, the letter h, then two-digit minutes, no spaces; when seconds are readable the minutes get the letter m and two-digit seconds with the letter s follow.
5h06m22s
